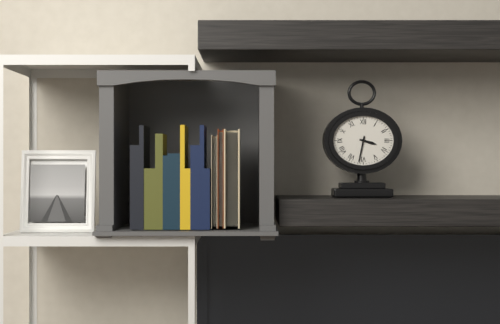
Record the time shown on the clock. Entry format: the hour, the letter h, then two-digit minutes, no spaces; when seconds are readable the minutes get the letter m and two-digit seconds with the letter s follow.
3h32
